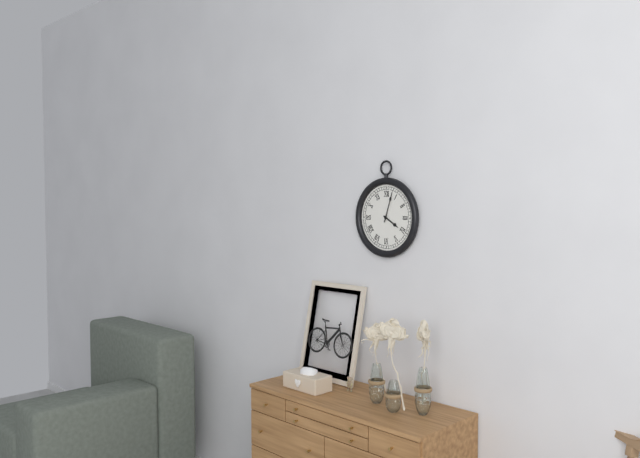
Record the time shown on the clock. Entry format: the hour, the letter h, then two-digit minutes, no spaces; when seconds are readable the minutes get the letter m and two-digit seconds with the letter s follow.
4h03
